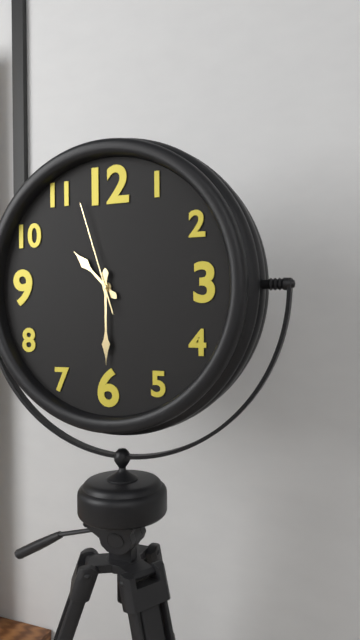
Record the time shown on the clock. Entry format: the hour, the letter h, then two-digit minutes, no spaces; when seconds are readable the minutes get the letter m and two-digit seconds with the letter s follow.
10h30m57s
